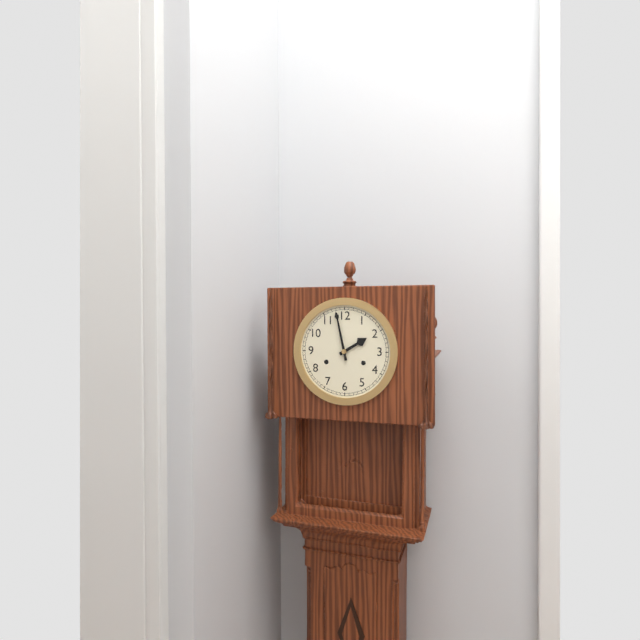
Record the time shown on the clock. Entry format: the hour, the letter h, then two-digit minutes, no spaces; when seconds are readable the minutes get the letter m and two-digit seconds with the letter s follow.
1h58
